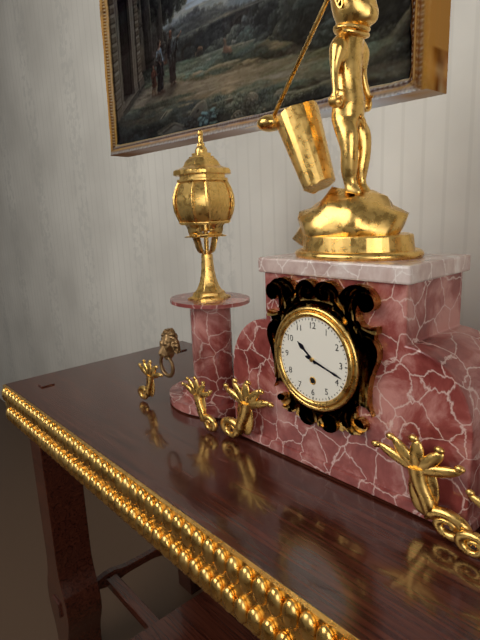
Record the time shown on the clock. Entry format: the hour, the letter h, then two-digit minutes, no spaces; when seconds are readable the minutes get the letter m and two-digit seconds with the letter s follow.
10h18
